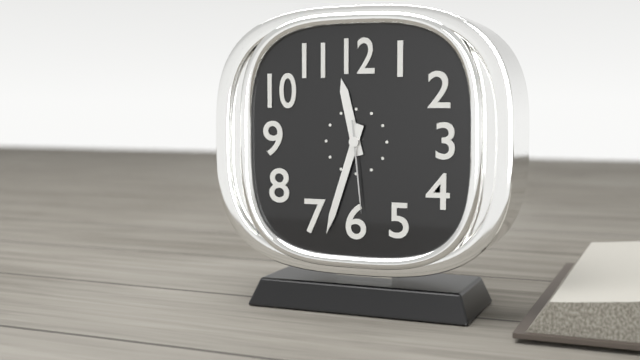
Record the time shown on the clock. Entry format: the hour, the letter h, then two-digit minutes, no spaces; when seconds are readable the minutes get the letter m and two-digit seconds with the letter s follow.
11h33m29s
